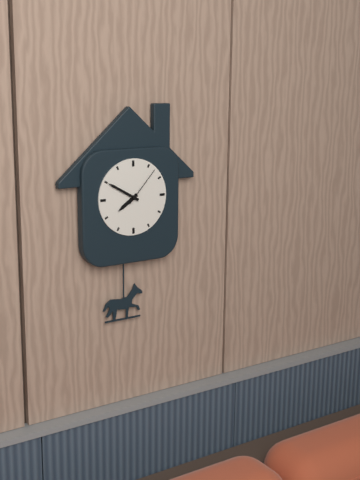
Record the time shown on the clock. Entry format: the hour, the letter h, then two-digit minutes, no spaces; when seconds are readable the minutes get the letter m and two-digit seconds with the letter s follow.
7h50
